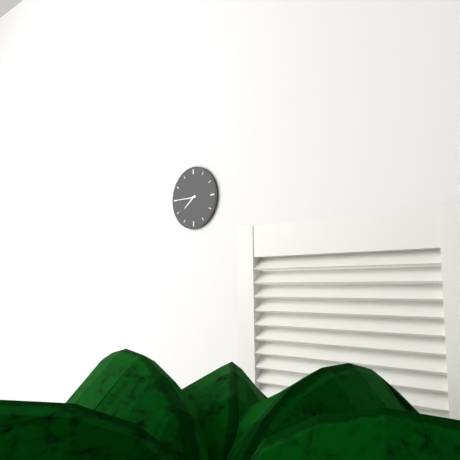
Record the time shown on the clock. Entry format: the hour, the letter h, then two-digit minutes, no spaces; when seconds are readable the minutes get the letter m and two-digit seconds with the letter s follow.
7h45
